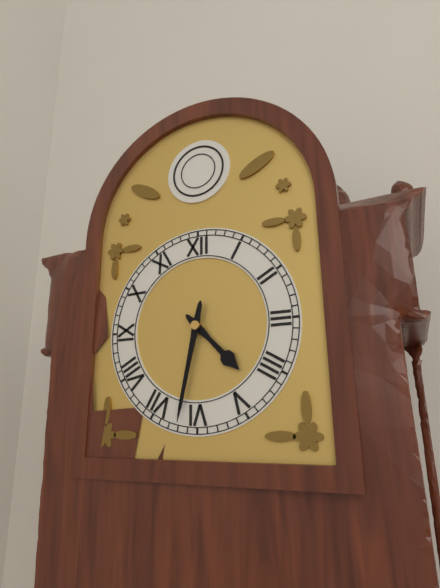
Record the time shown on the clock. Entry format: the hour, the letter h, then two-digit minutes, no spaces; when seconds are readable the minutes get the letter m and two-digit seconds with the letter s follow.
4h32
